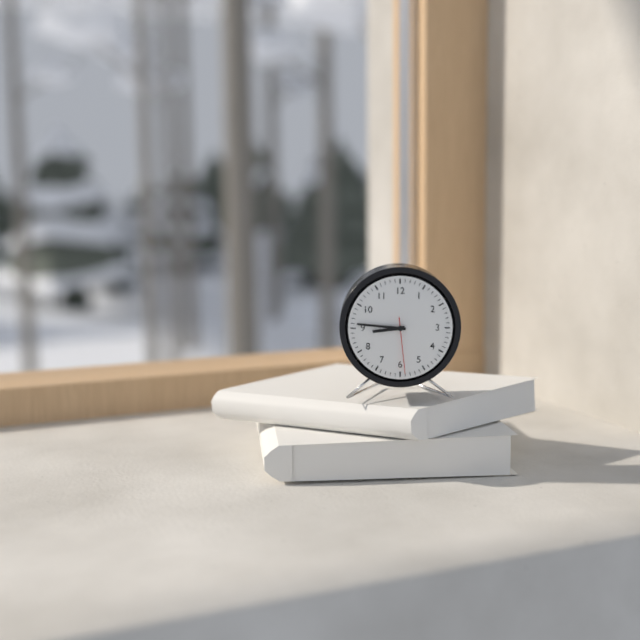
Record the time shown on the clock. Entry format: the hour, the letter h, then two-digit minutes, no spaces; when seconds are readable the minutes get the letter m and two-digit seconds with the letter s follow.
8h46m29s
